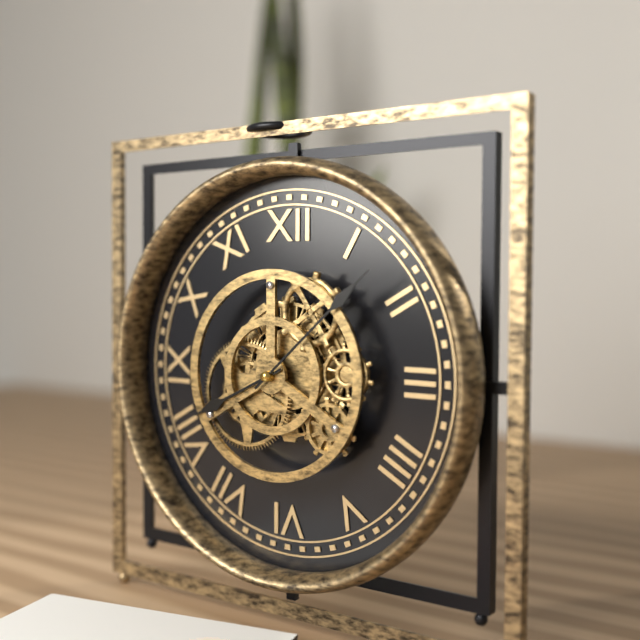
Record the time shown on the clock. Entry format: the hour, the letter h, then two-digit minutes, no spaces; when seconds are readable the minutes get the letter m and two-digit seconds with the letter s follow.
8h08
